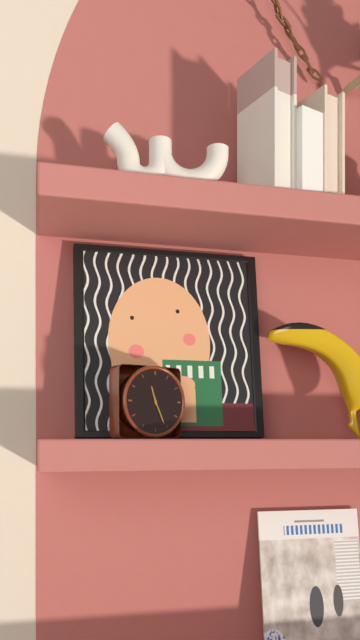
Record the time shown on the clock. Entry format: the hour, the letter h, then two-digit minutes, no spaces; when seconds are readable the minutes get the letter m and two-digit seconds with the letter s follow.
11h26
